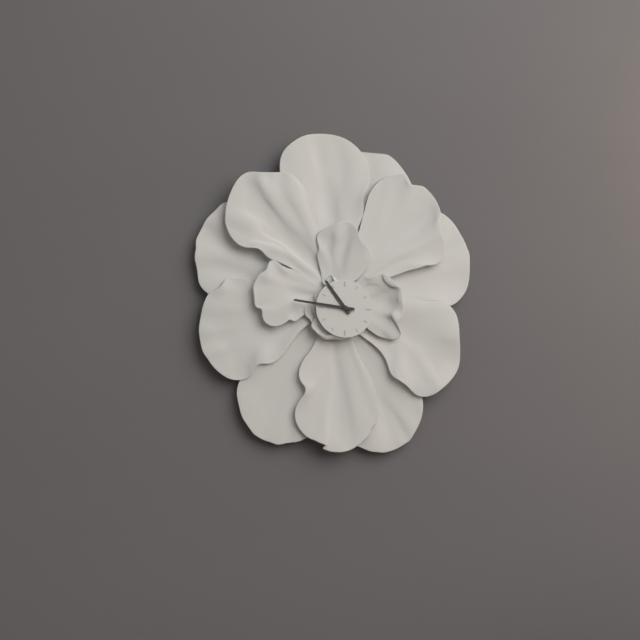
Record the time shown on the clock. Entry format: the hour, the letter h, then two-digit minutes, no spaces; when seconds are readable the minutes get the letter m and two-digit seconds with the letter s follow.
10h46
